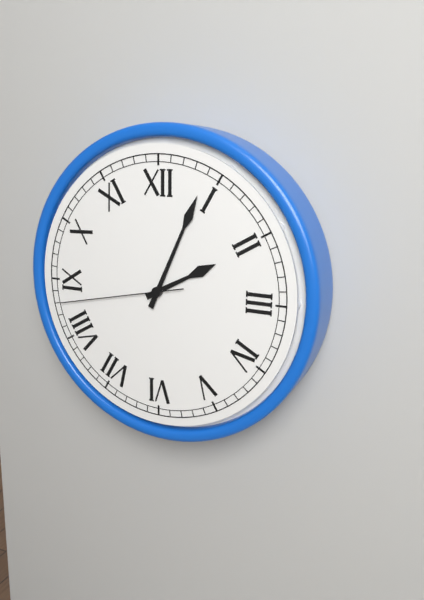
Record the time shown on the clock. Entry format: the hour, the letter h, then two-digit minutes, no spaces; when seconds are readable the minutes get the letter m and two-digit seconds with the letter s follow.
2h04m43s
